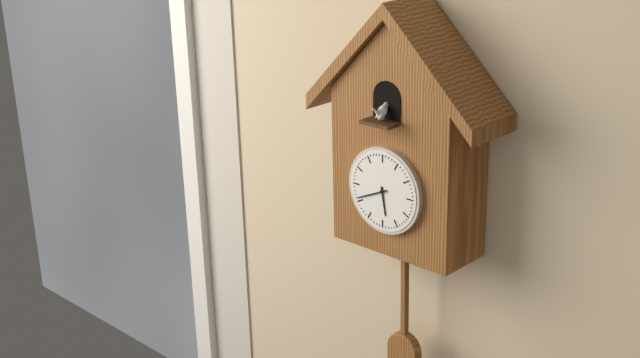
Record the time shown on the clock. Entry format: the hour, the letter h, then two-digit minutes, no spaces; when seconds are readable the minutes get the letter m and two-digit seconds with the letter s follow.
5h41
